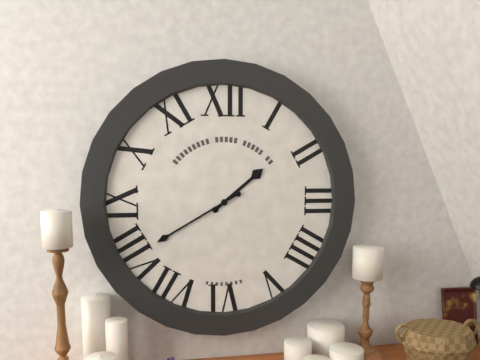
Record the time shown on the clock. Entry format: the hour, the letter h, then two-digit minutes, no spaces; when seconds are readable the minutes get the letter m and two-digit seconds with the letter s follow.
1h40
